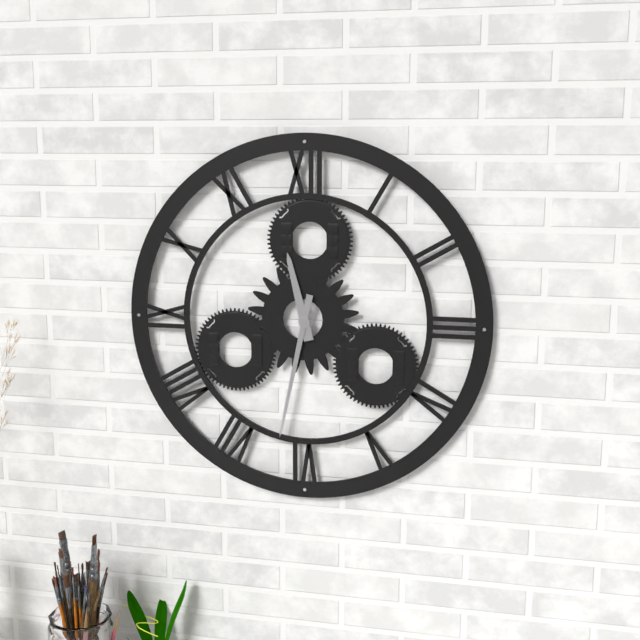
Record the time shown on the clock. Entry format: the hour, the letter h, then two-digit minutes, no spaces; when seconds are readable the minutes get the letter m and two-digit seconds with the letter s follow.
11h32
